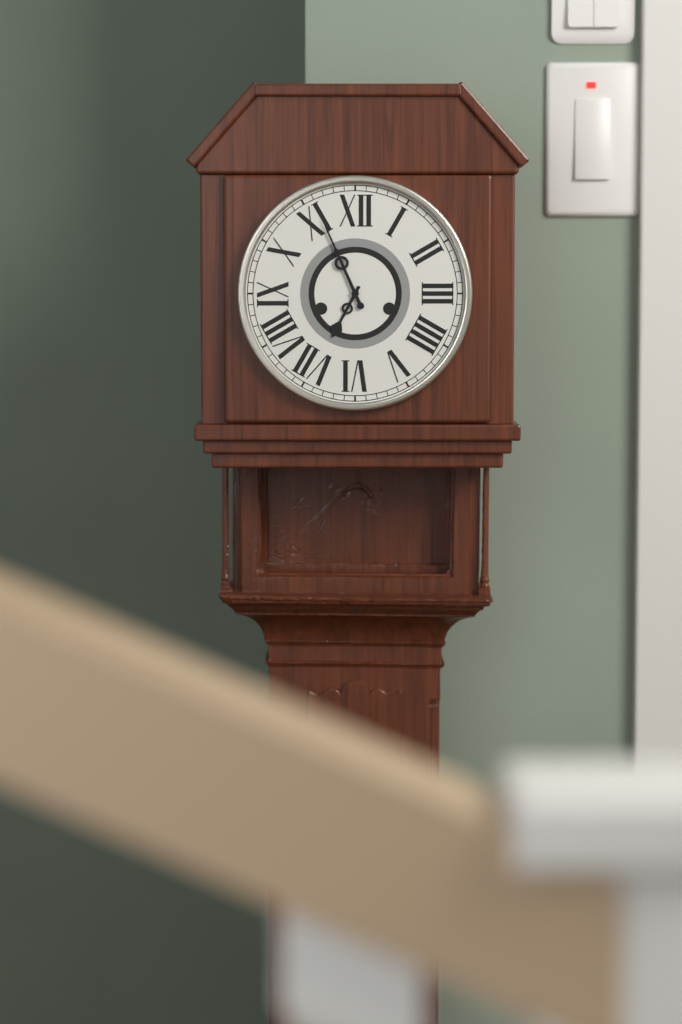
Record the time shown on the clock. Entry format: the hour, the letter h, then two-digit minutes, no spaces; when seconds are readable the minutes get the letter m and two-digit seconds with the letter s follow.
6h56
